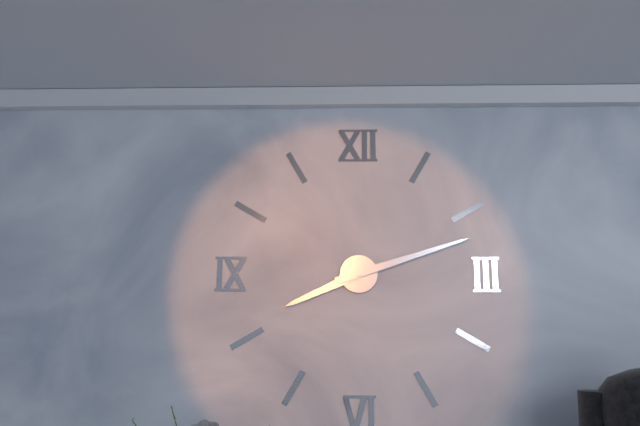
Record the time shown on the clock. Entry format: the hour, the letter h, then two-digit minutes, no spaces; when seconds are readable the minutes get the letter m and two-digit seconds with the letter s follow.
8h12
